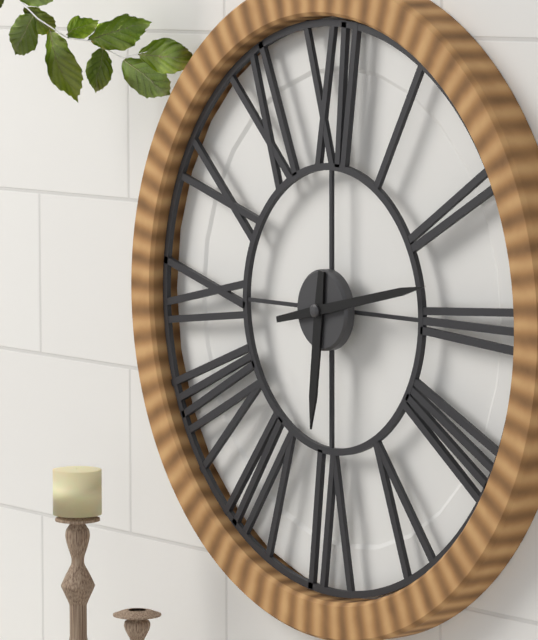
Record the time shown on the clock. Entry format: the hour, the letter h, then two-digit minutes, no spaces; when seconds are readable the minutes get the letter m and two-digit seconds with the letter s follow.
6h13
